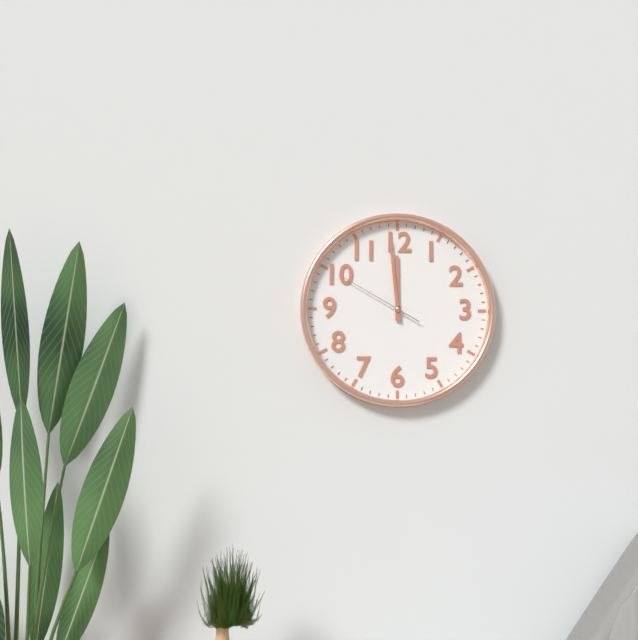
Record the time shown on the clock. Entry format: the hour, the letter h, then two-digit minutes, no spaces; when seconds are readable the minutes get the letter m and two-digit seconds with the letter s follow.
11h59m50s
